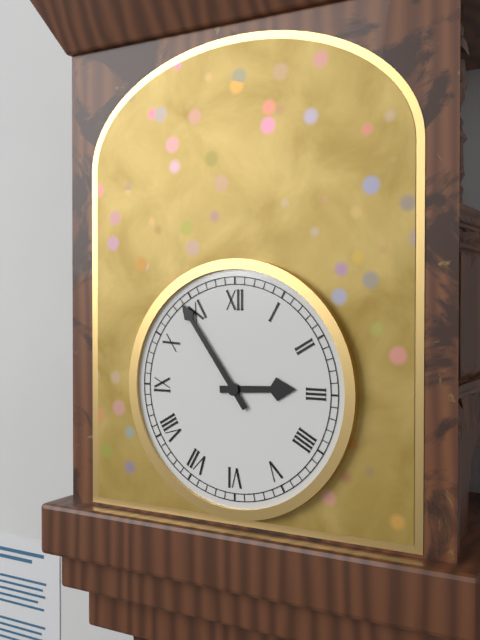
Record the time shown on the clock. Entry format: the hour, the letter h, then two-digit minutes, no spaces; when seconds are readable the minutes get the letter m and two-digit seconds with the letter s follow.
2h54
